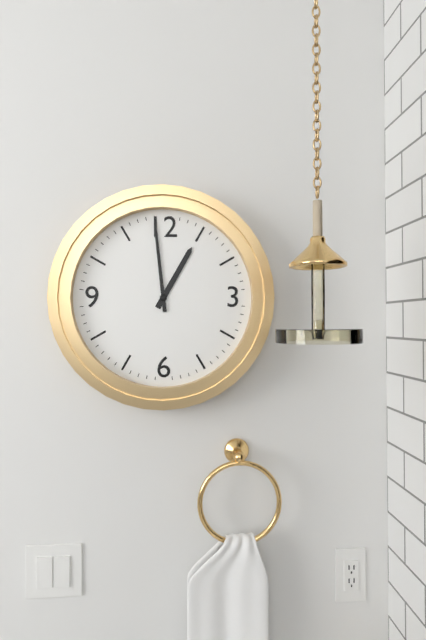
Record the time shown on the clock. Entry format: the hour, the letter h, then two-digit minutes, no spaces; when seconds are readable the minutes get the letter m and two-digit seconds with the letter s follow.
12h59
